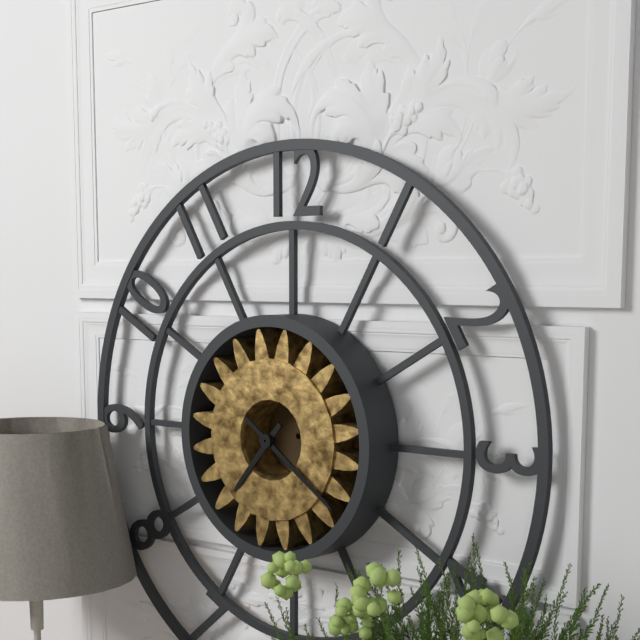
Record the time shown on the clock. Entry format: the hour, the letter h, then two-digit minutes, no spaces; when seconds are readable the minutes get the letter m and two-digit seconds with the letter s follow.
7h21
